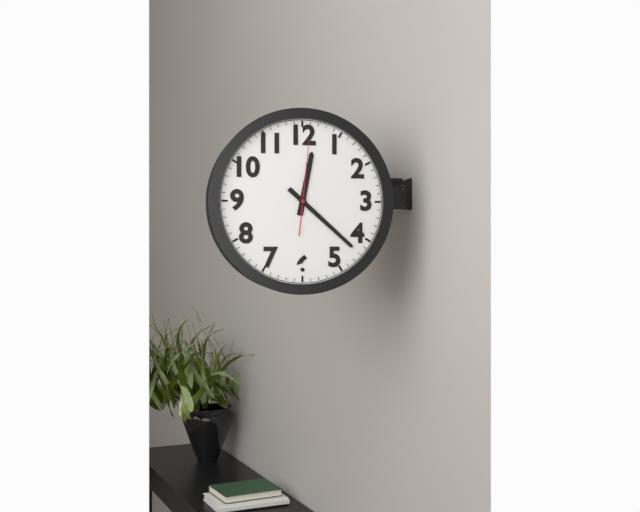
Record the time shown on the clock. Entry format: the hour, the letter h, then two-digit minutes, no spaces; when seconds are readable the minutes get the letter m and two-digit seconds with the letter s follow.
12h22m01s
